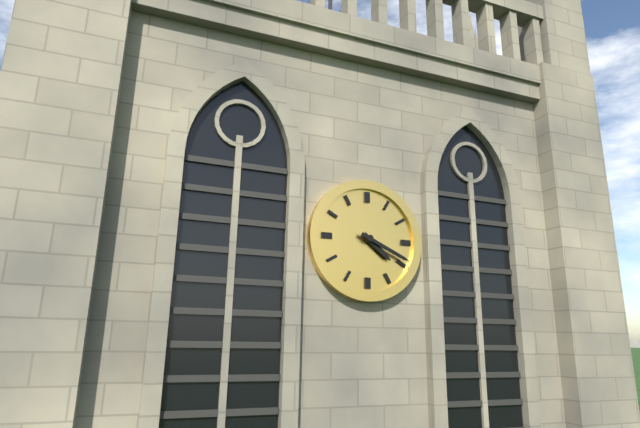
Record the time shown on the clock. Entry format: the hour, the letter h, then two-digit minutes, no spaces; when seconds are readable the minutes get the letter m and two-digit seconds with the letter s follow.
4h19
